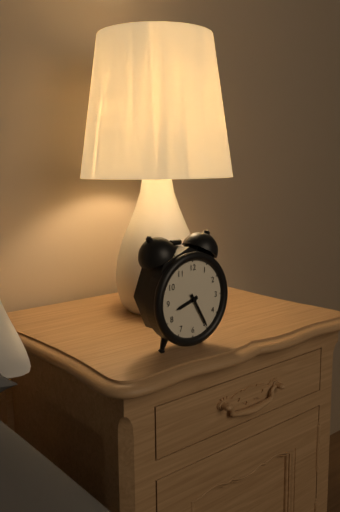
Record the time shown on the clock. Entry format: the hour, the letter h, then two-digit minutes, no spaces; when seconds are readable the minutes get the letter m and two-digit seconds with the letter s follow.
8h25
